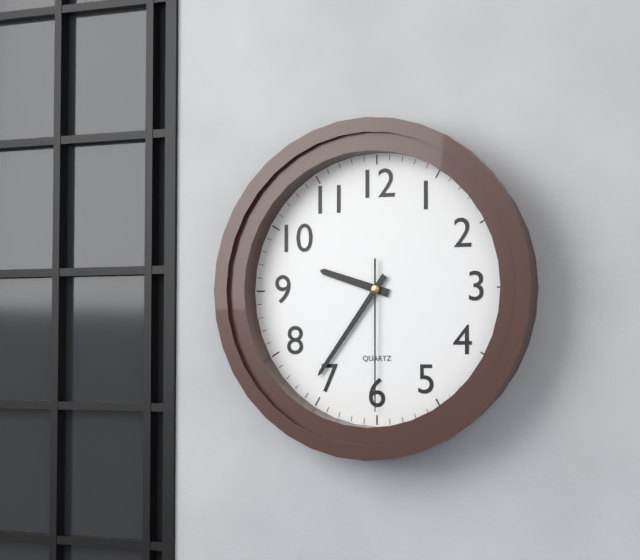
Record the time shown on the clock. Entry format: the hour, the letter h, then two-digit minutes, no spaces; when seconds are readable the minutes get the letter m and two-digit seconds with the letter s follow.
9h36m30s
